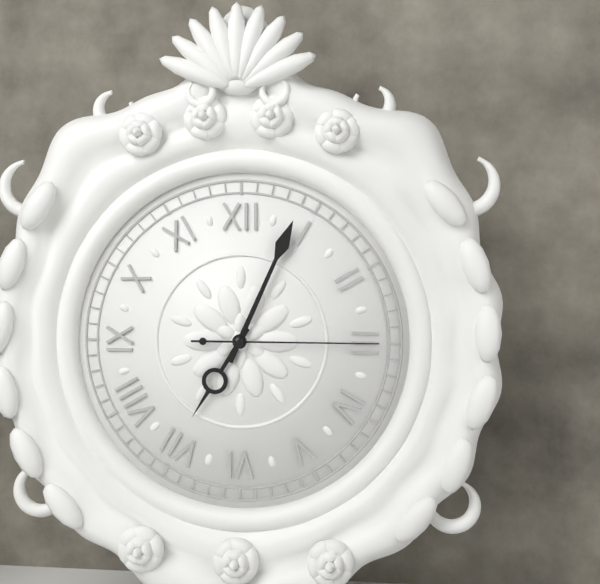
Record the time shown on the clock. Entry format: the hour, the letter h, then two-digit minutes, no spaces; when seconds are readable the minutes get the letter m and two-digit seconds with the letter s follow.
7h04m15s
